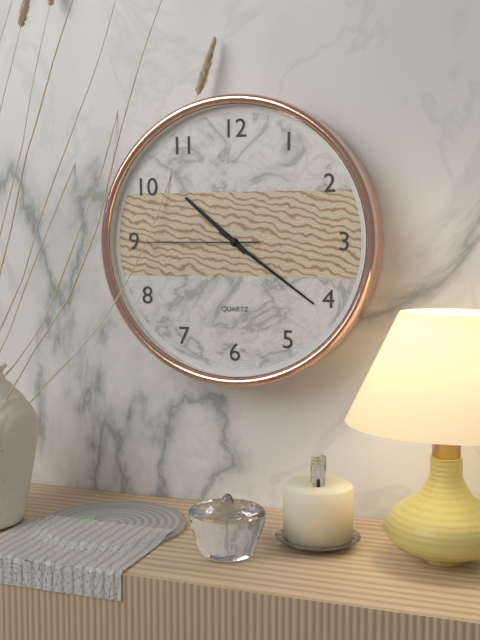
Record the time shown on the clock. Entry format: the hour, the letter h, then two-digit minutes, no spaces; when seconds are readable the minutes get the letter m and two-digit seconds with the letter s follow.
10h21m45s
